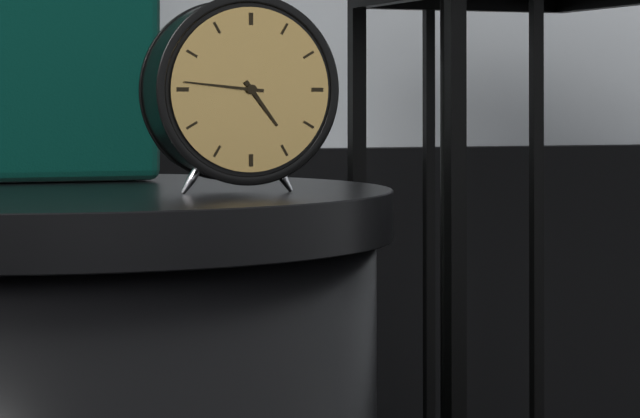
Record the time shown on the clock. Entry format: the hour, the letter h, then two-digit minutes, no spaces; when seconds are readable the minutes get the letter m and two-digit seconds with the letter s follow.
4h46
